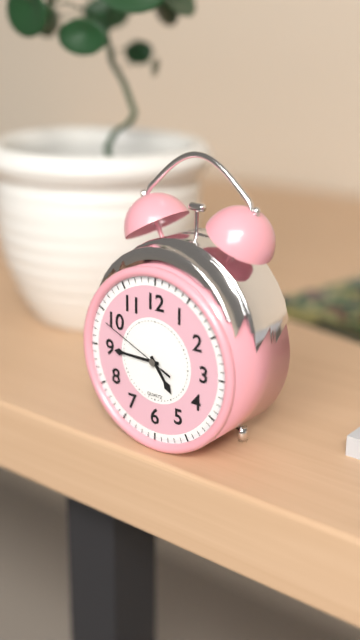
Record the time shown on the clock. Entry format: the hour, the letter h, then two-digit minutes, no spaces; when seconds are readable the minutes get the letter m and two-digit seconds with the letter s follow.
4h45m49s
